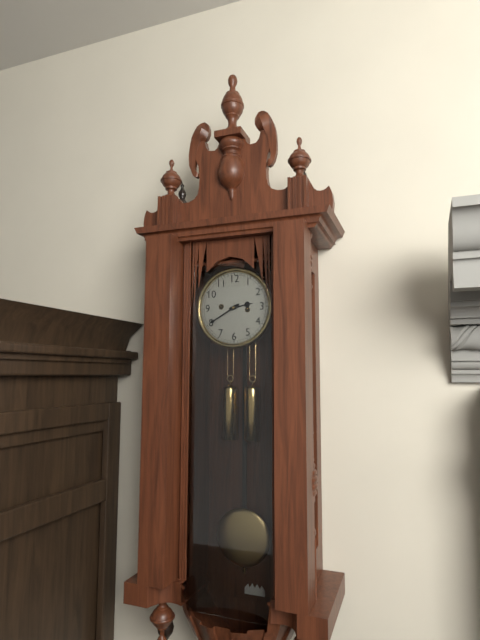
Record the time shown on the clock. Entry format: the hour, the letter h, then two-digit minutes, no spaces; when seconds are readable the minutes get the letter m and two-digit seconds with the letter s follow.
2h40
